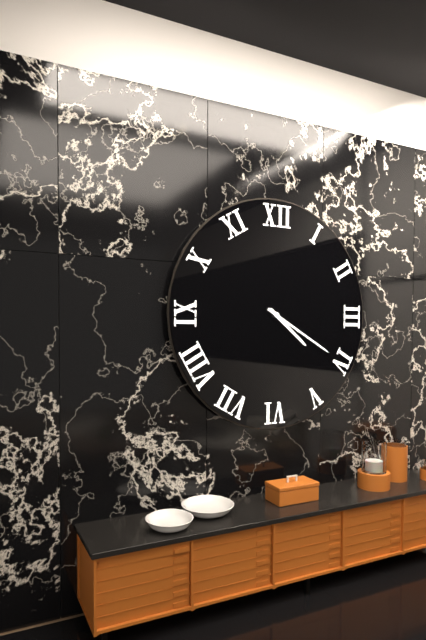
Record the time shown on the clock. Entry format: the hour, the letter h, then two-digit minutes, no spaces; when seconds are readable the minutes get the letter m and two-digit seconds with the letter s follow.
4h20
